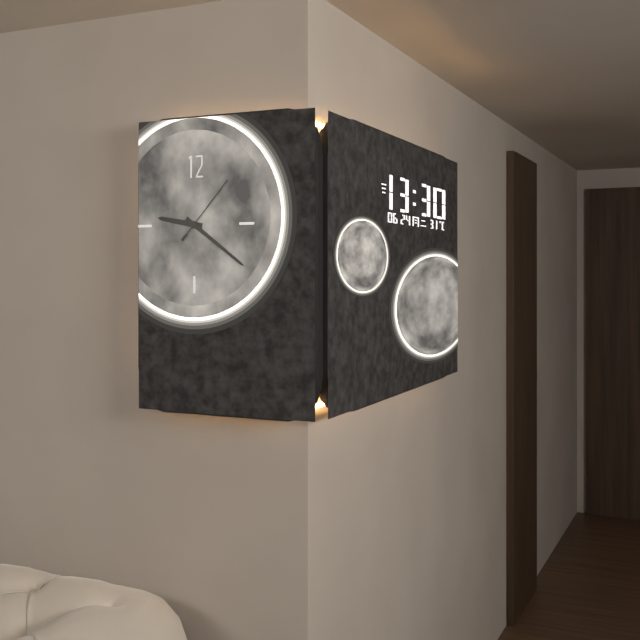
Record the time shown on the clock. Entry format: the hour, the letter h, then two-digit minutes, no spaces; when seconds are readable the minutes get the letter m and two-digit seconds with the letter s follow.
9h21m07s
